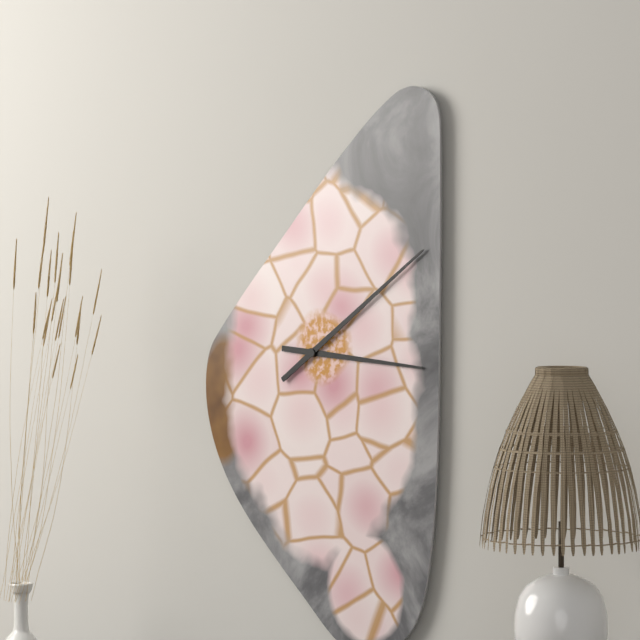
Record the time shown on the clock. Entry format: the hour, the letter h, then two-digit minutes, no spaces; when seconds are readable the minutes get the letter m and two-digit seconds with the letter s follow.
3h09
